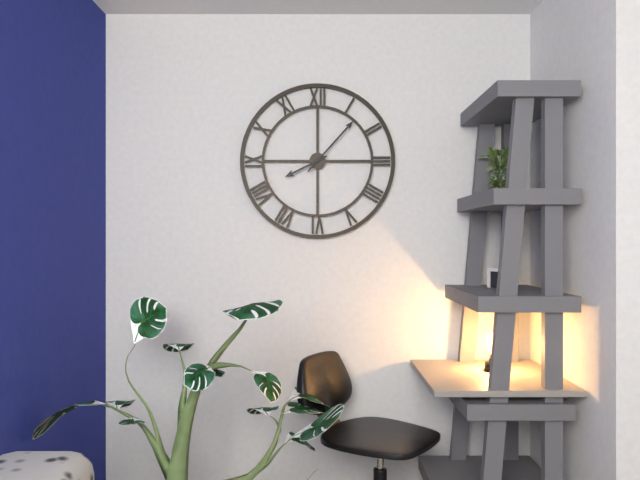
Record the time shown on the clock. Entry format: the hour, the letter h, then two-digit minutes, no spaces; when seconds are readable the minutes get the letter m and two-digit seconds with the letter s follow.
8h07
